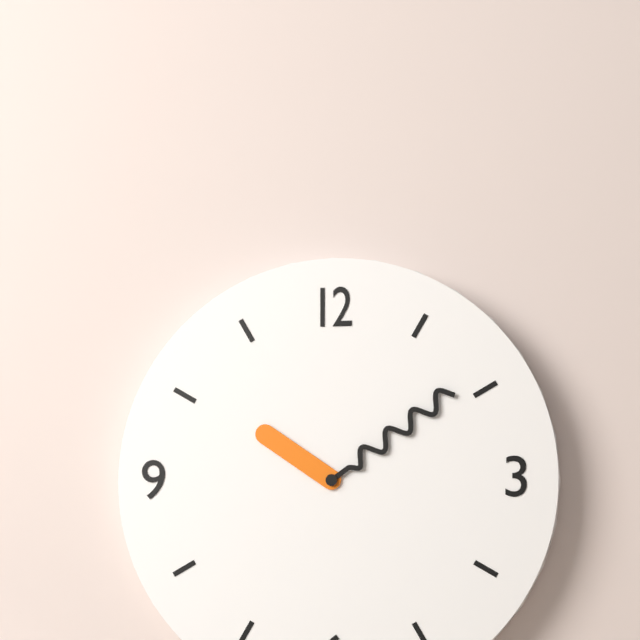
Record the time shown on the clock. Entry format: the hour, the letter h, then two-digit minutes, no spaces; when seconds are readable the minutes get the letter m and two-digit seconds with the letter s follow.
10h09
